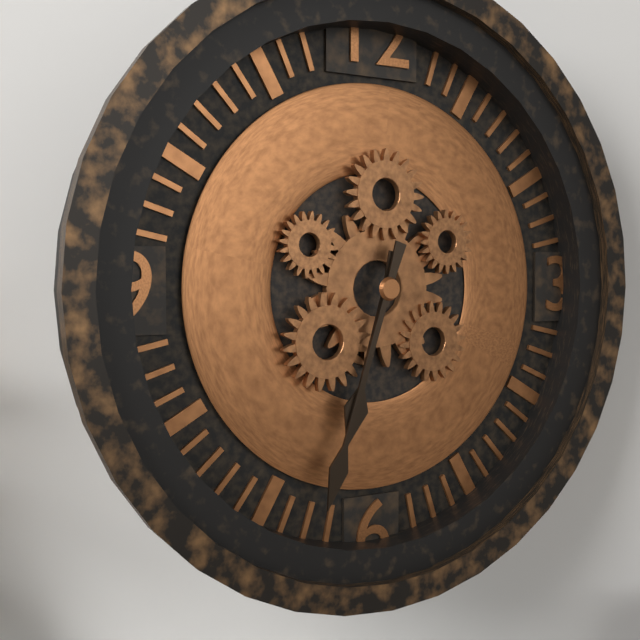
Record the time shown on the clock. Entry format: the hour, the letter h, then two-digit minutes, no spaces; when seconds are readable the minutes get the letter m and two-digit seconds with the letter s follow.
6h33
